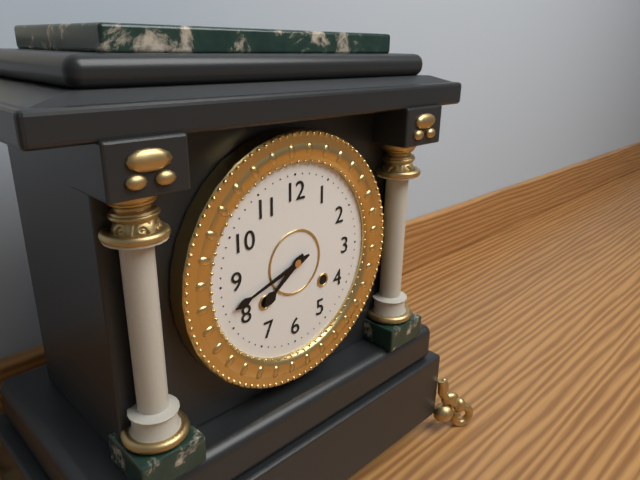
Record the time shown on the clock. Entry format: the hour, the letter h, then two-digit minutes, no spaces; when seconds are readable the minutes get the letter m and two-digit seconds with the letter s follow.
7h42
